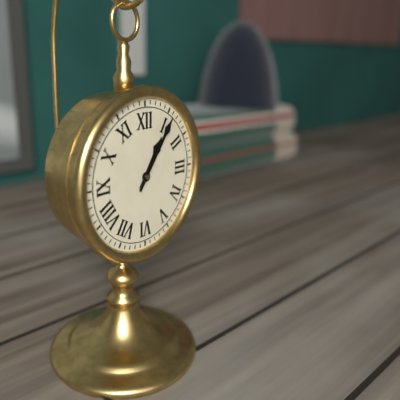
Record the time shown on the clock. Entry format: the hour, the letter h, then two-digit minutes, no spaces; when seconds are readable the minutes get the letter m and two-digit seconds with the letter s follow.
1h06
